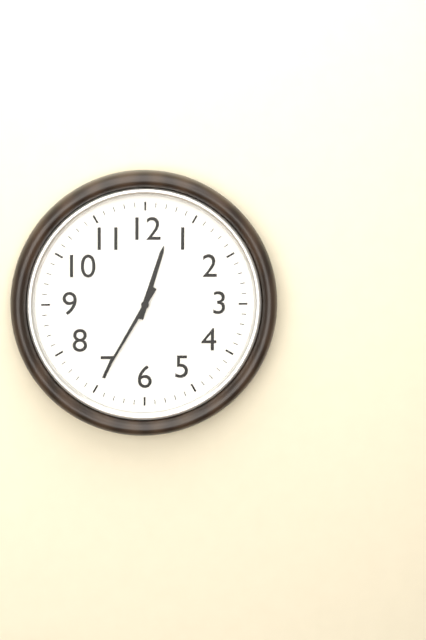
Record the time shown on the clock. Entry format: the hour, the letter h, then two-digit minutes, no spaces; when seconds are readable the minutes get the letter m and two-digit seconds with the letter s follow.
12h35
